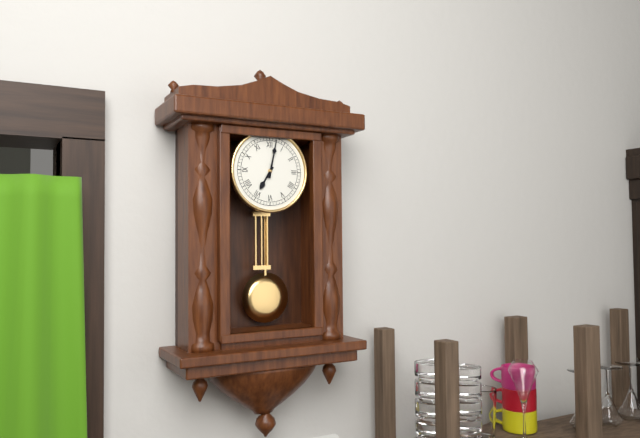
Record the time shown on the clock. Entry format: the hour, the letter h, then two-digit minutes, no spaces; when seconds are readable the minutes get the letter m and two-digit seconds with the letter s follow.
7h02
